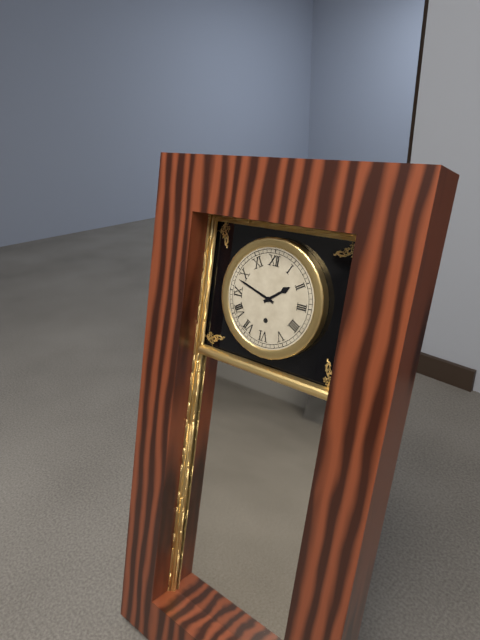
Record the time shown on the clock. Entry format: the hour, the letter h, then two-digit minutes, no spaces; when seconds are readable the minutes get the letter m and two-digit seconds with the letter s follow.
1h48
